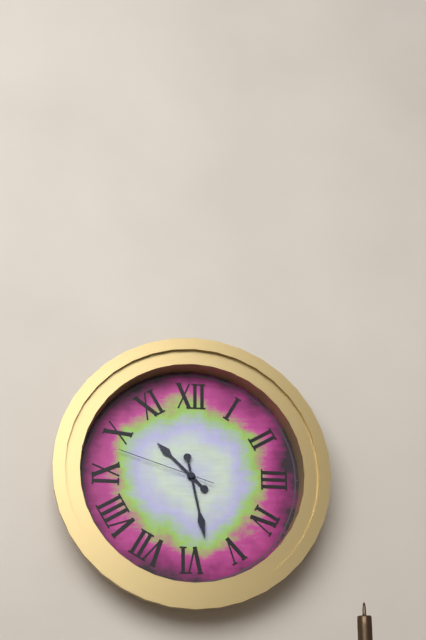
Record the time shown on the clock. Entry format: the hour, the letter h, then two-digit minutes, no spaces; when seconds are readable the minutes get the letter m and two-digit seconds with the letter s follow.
10h28m48s
